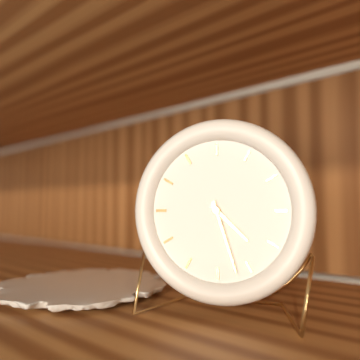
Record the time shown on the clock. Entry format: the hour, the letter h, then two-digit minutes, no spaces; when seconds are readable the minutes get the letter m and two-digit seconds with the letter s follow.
4h27
